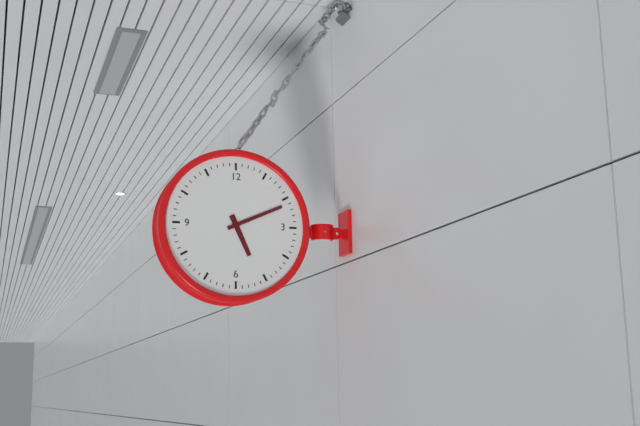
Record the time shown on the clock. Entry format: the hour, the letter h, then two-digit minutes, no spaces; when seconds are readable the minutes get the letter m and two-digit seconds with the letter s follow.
5h11
